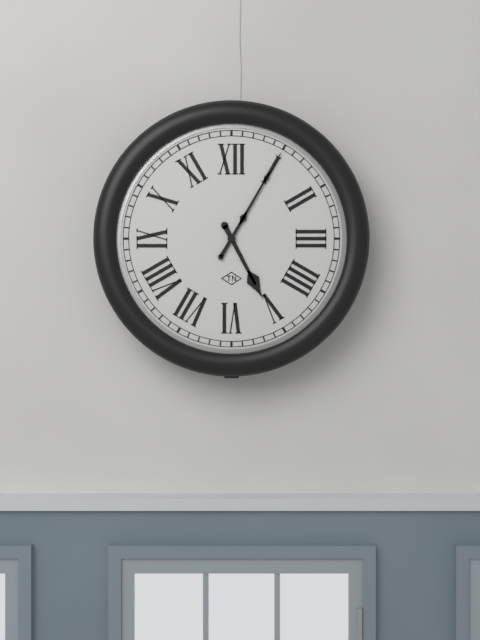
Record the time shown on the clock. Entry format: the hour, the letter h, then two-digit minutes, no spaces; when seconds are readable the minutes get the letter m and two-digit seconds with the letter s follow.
5h05
